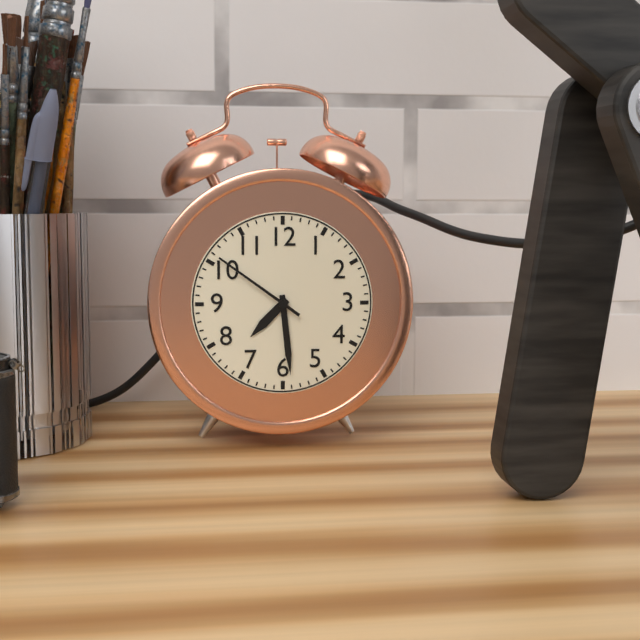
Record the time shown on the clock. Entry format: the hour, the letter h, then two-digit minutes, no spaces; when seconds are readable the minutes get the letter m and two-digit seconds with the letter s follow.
7h29m51s
